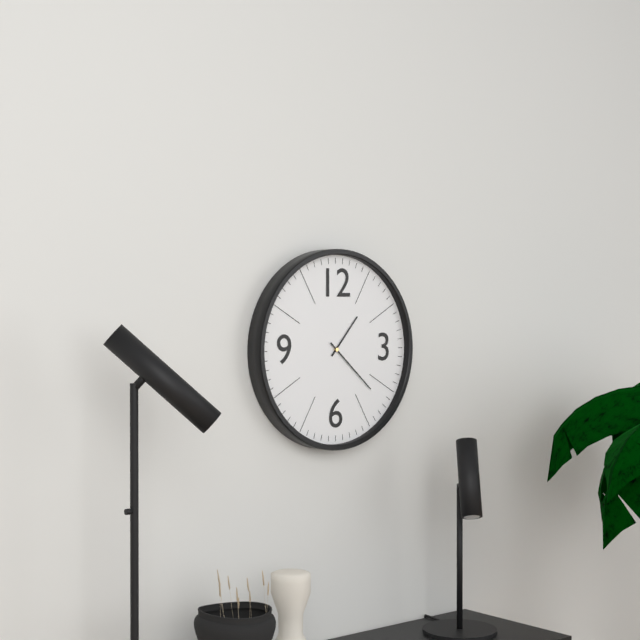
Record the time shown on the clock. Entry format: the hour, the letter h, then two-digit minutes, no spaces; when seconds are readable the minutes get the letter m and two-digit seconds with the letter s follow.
1h22
